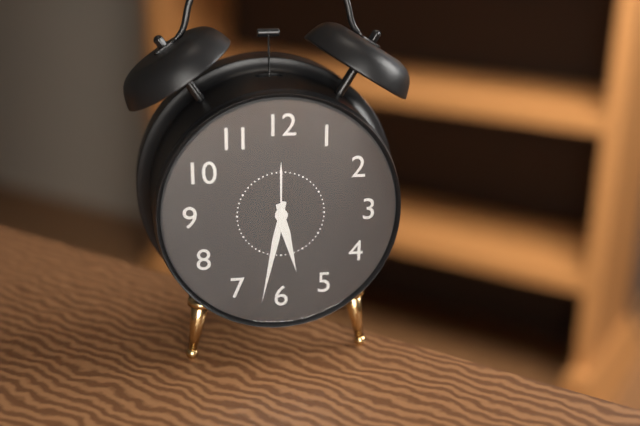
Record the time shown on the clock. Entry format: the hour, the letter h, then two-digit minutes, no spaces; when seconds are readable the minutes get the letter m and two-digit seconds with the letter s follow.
5h32
